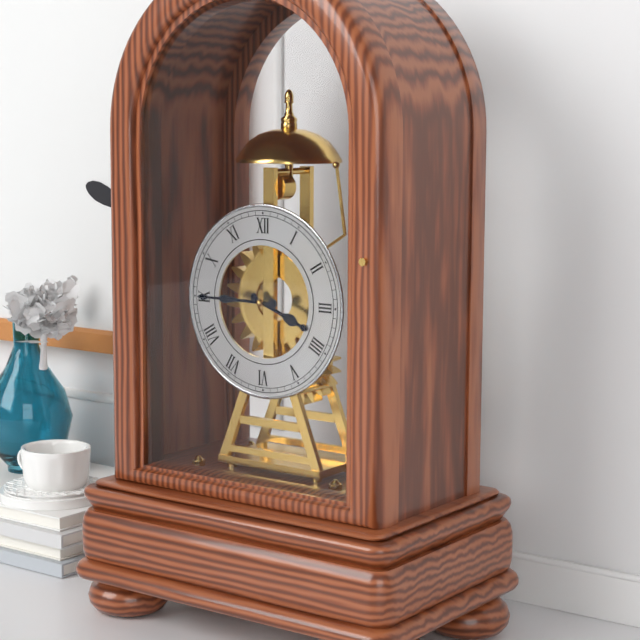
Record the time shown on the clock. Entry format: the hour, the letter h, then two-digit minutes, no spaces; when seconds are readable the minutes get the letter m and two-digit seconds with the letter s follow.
3h45
